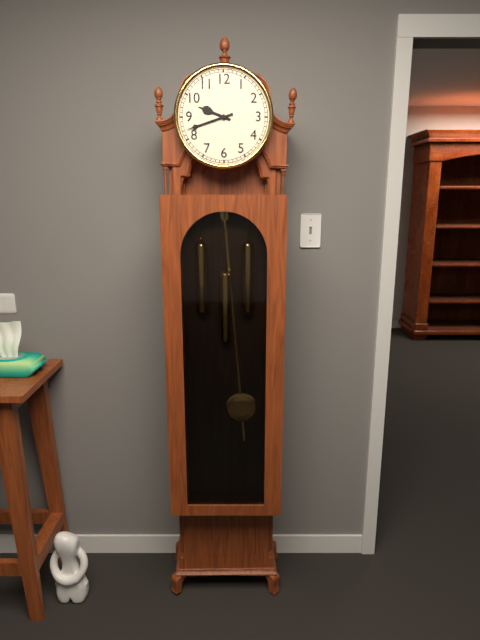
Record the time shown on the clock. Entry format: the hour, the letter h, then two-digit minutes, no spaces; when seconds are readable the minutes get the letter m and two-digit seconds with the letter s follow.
9h42
